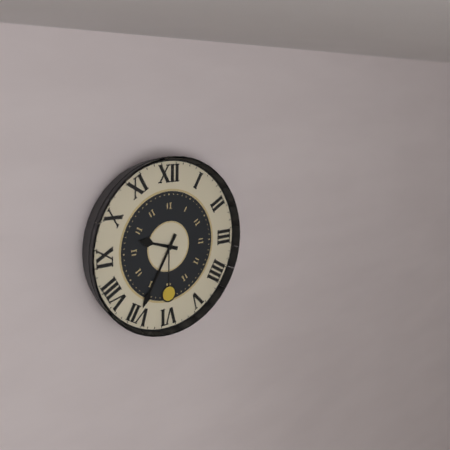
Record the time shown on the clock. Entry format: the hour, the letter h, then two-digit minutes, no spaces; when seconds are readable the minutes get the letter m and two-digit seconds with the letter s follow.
9h35
